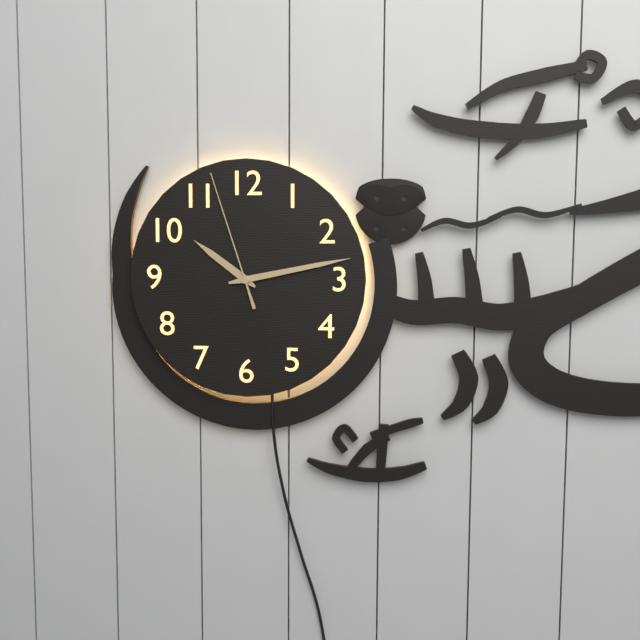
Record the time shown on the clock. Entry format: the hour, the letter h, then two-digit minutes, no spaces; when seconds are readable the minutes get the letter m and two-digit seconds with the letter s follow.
10h13m57s
